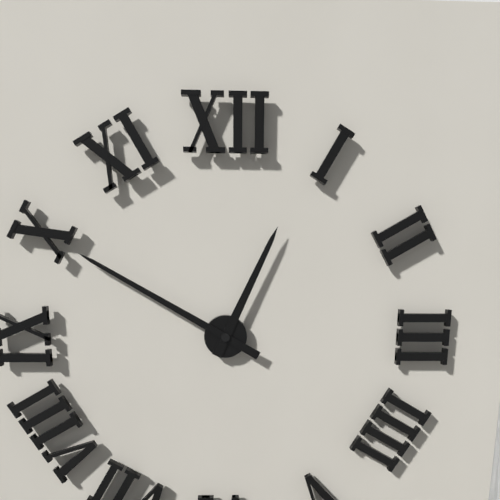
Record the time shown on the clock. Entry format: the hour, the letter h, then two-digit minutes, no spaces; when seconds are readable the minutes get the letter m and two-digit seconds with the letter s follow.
12h50
